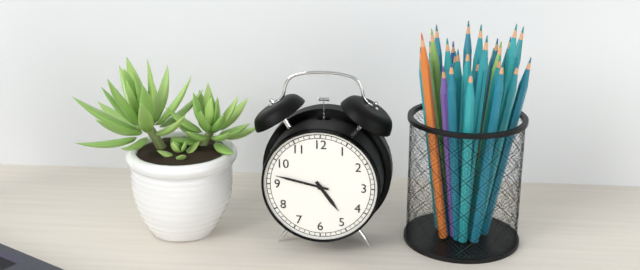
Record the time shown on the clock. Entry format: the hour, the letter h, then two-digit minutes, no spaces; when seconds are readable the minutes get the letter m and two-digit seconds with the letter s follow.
4h47
